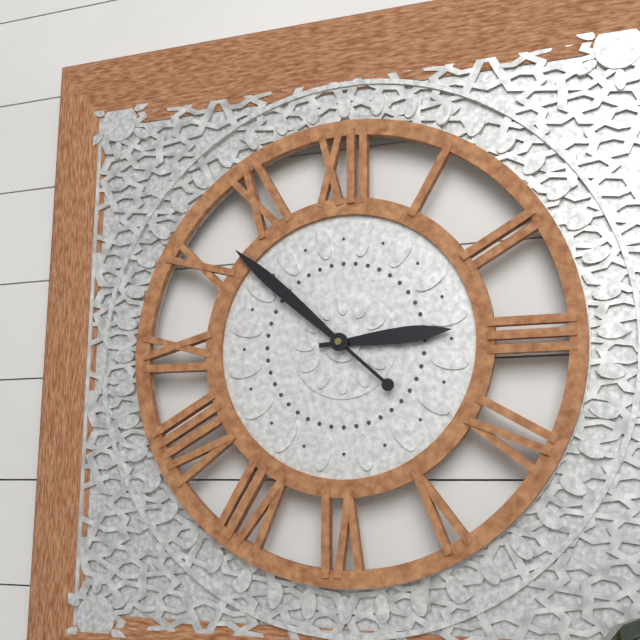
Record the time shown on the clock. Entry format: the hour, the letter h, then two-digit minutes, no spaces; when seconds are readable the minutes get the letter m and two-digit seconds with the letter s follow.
2h52
